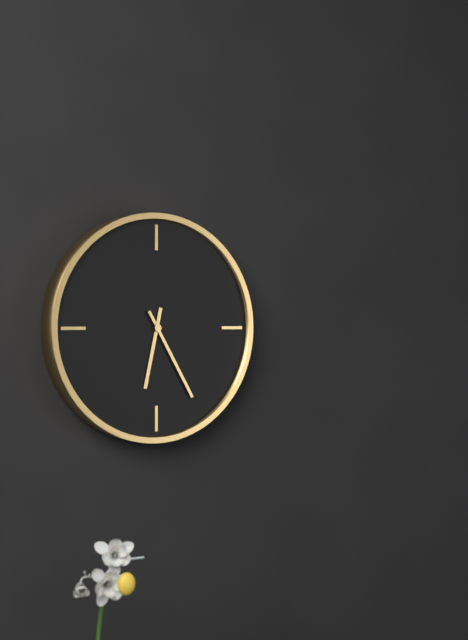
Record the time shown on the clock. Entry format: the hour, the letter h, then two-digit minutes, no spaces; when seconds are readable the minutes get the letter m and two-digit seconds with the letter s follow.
6h25
